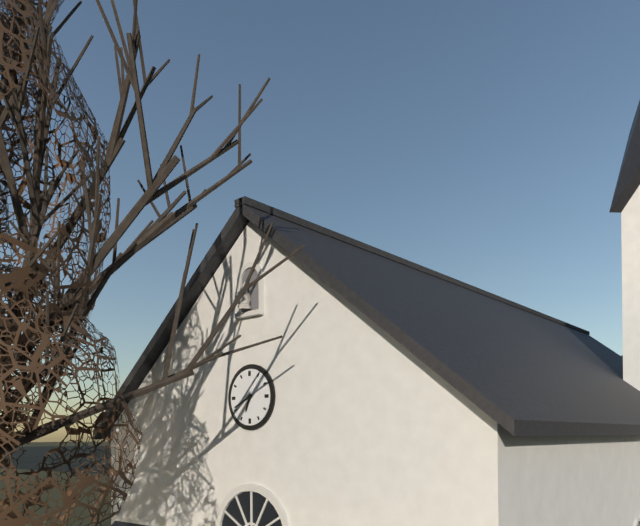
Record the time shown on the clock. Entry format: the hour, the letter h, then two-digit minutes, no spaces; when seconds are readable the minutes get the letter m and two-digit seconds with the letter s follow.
6h41
